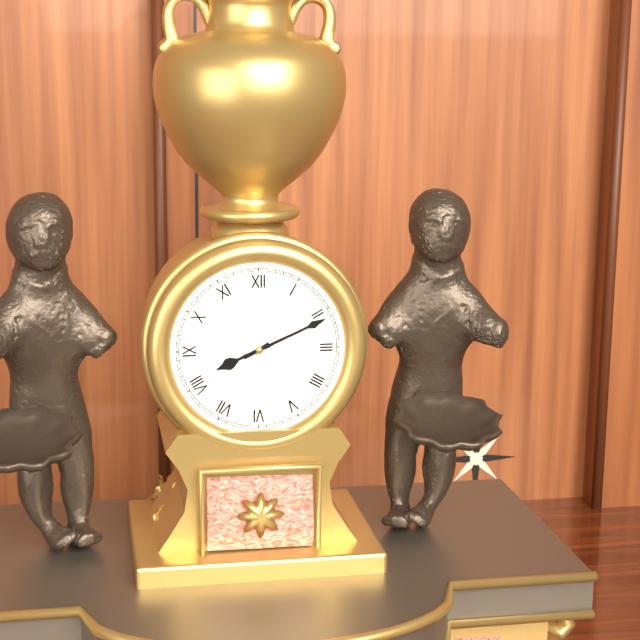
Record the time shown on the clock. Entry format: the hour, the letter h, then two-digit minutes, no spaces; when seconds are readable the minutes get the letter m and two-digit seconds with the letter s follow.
8h11
